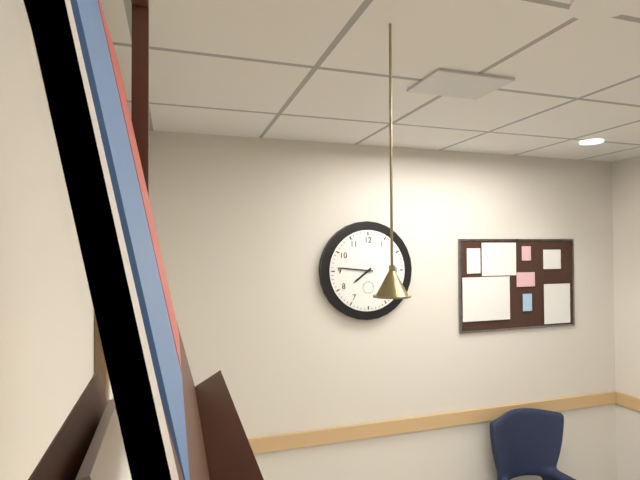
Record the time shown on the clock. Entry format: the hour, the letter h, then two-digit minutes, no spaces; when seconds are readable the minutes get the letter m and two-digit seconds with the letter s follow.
7h46
